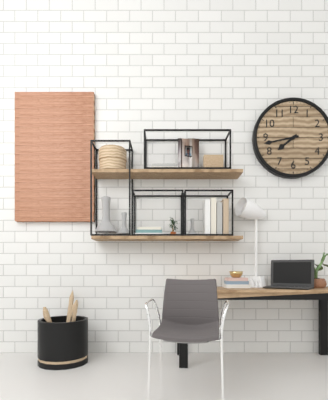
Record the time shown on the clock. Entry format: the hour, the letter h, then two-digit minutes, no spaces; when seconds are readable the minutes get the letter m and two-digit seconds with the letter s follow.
7h43
